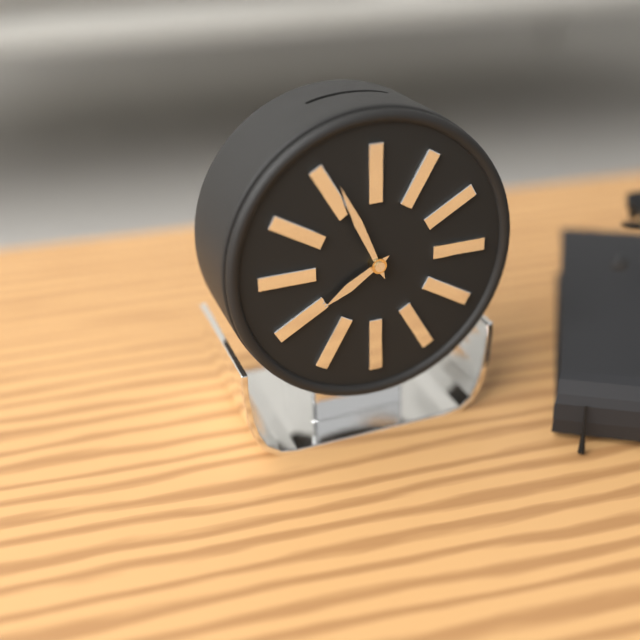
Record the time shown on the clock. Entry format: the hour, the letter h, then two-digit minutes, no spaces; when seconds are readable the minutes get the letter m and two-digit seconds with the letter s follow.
7h56
